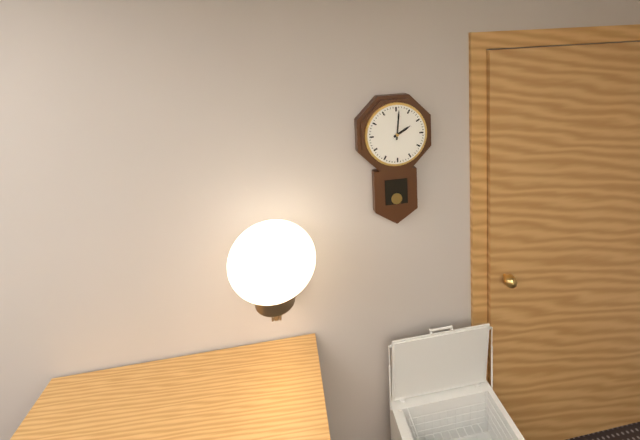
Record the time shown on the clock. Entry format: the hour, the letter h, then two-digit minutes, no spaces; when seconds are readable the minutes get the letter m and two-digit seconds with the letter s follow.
2h01
